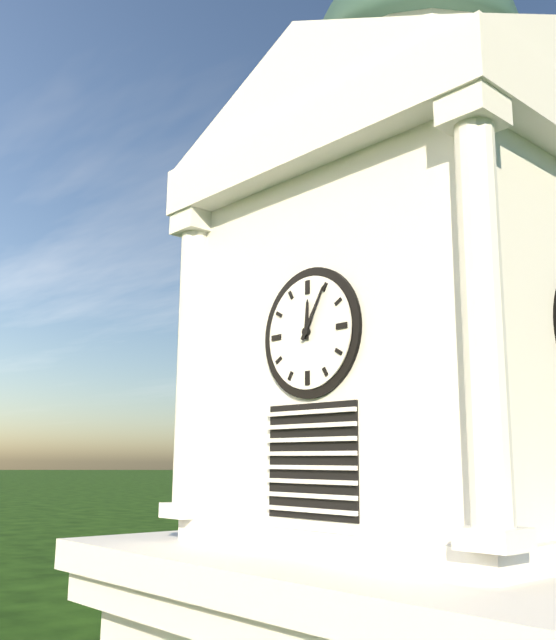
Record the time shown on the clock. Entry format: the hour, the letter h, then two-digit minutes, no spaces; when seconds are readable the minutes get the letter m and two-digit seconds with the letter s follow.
12h05
